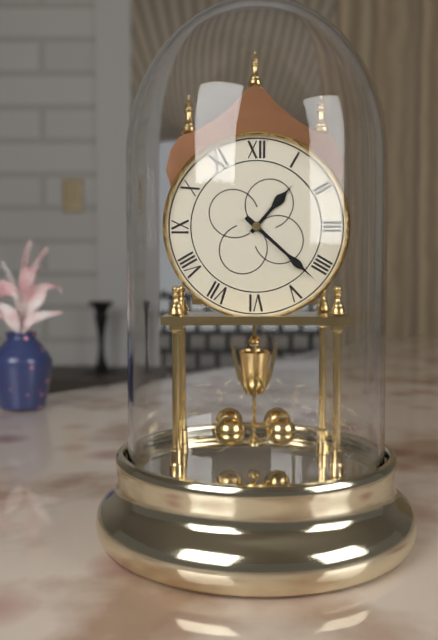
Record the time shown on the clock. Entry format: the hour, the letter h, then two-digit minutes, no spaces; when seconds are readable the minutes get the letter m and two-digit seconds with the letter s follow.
1h22
